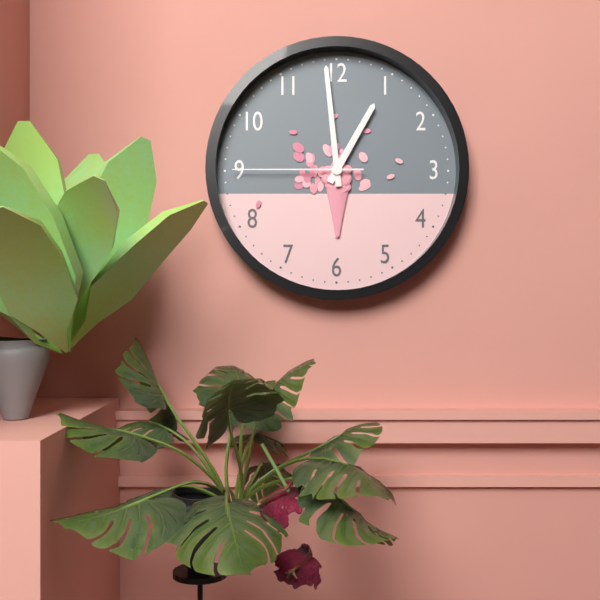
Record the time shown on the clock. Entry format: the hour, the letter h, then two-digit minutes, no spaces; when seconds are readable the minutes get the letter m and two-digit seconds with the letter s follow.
12h59m45s
